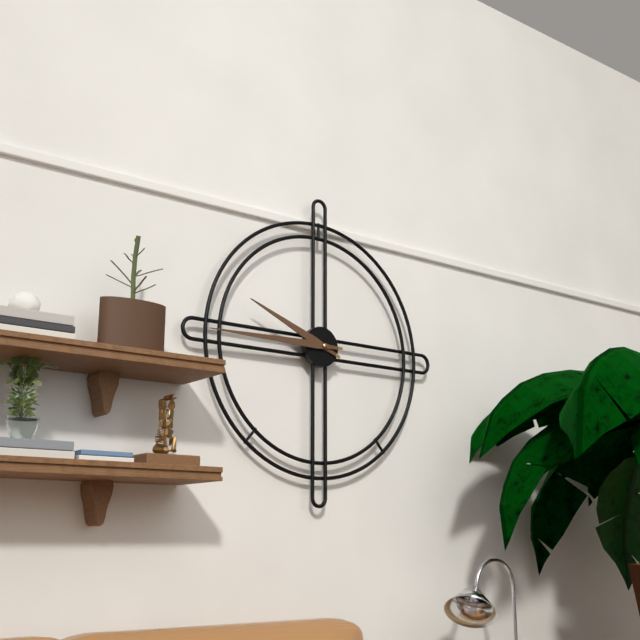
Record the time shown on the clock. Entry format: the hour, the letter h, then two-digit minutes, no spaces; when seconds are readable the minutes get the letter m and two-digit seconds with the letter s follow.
9h45
